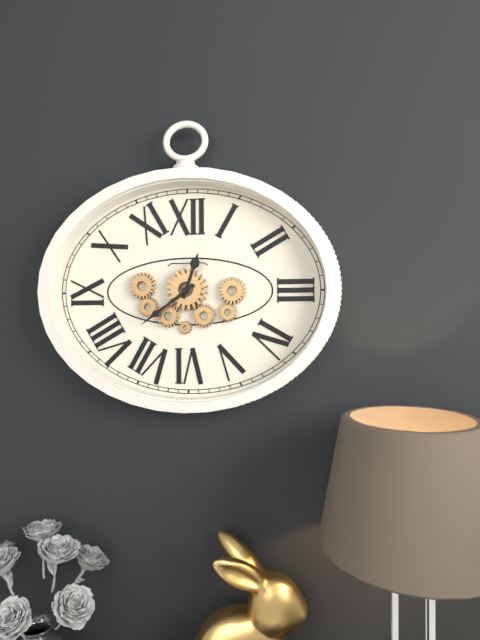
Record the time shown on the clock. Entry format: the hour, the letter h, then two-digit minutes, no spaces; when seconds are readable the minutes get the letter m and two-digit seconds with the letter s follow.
12h39
